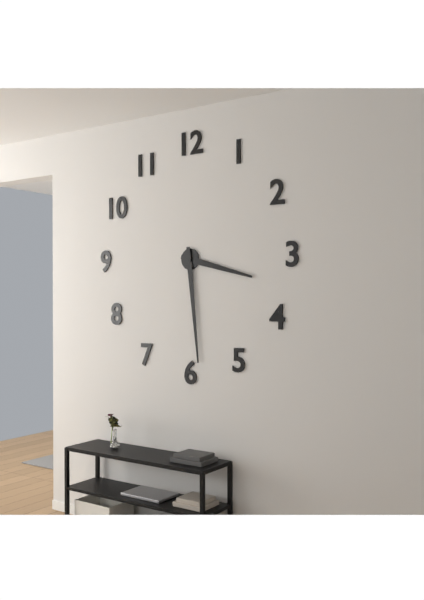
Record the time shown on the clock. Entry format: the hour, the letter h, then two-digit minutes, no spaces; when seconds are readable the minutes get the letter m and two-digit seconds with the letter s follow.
3h29
